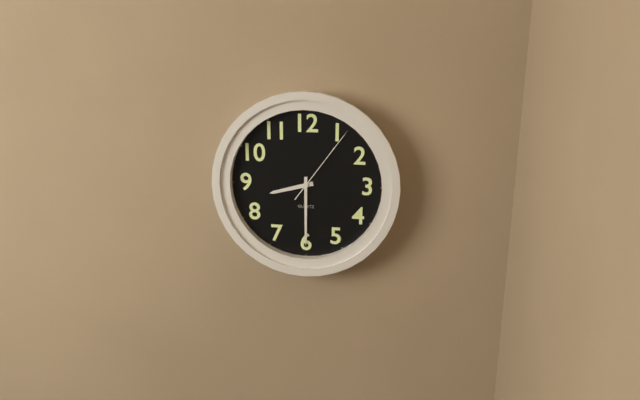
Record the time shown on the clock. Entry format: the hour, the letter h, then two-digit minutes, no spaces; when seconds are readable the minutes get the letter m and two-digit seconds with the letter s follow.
8h30m06s
